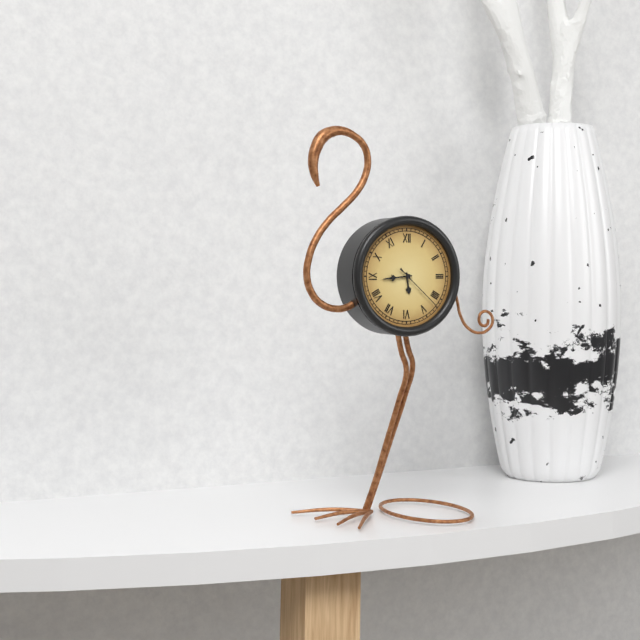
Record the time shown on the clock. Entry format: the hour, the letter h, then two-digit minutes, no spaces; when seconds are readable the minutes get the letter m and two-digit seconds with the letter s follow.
5h44m22s
